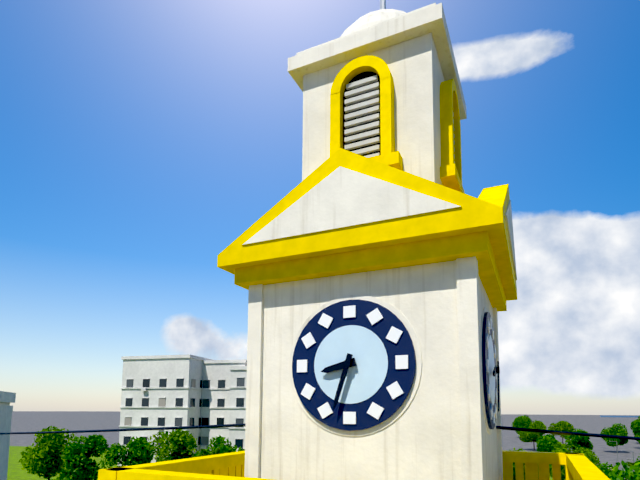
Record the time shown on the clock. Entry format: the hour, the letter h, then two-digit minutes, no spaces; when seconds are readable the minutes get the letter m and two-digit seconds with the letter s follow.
8h33
